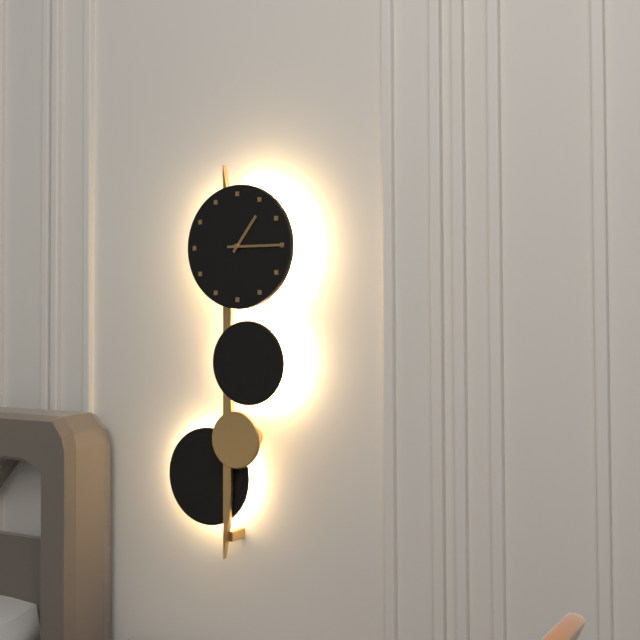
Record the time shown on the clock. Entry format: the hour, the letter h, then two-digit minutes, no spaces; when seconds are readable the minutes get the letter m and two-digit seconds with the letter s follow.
1h15
